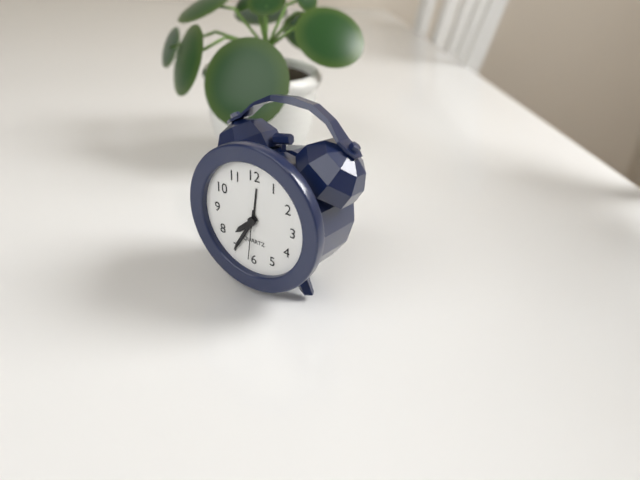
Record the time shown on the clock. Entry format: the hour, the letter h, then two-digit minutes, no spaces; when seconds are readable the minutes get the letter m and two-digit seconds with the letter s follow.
7h35
